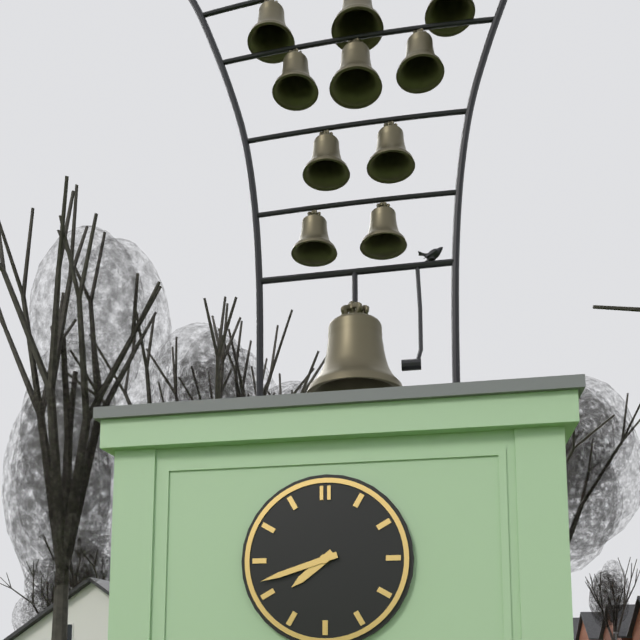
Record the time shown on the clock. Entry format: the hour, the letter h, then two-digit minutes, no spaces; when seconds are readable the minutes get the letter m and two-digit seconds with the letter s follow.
7h42
